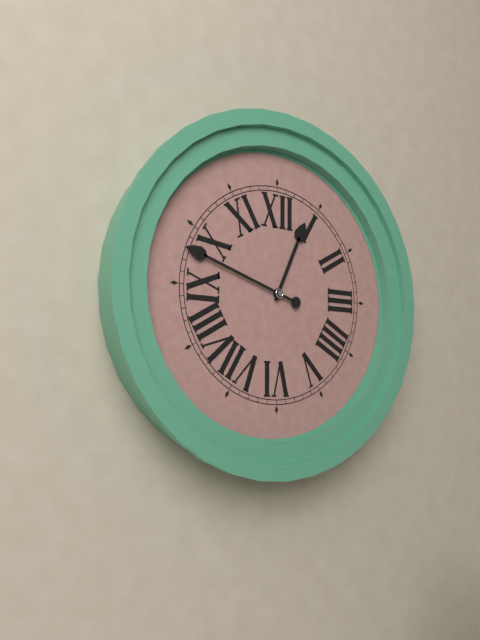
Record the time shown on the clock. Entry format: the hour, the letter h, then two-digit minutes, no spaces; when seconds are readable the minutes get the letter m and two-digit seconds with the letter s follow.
12h48
